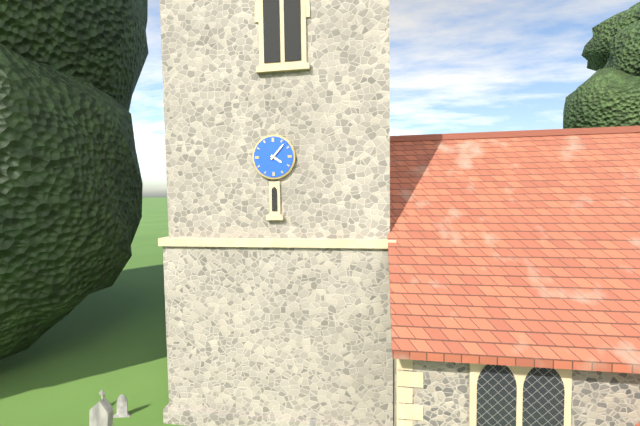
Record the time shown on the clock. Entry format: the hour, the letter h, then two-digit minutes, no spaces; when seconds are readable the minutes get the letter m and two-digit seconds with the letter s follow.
4h07
